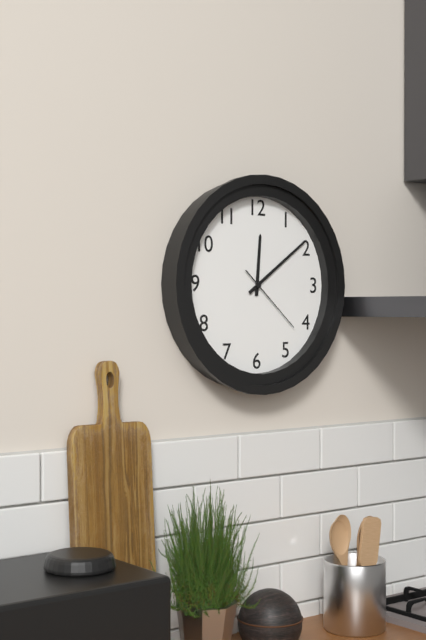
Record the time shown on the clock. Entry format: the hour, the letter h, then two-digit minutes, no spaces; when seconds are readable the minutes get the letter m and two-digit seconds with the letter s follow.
12h09m22s
